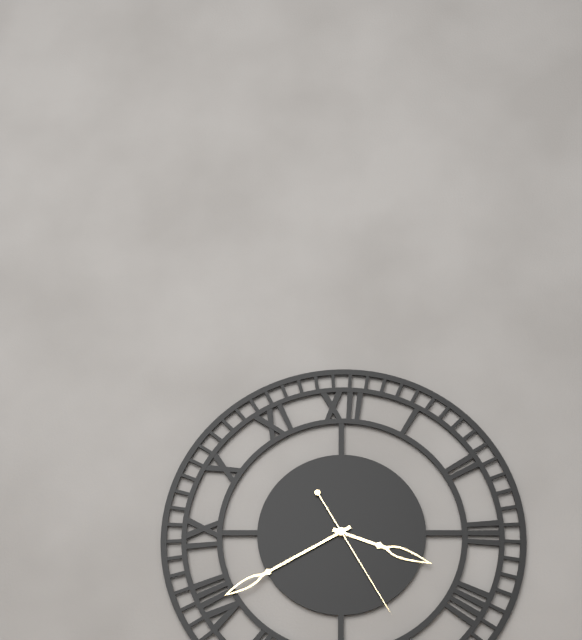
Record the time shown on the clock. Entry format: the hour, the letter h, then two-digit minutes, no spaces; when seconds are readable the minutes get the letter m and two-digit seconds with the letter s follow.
3h40m25s
